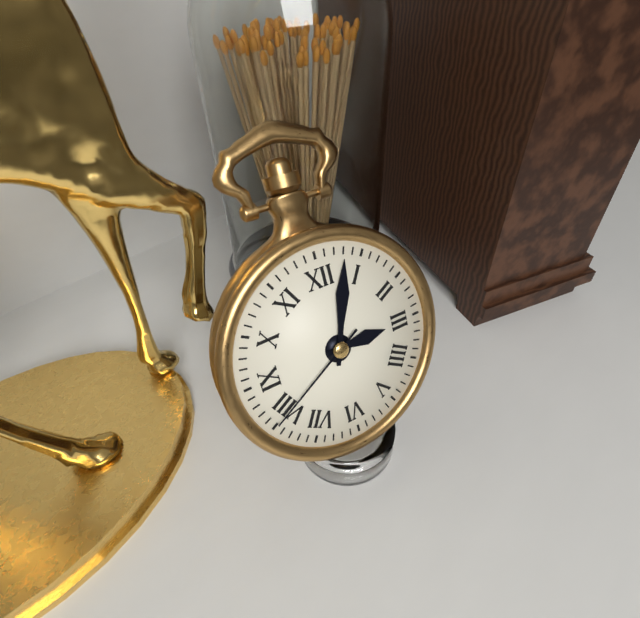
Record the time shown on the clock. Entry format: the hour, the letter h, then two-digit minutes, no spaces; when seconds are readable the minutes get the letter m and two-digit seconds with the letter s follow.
3h03m40s
